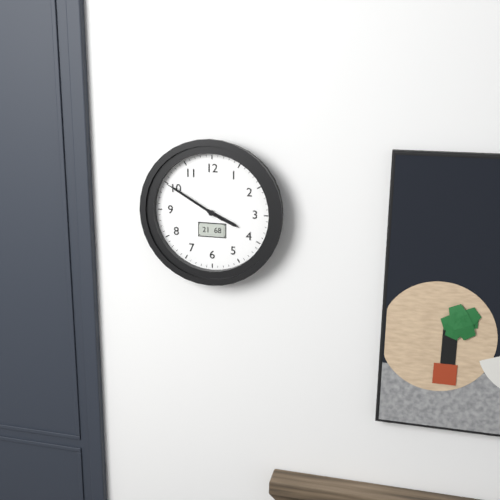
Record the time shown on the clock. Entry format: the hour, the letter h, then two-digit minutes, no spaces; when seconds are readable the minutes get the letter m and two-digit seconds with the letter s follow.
3h50m50s
